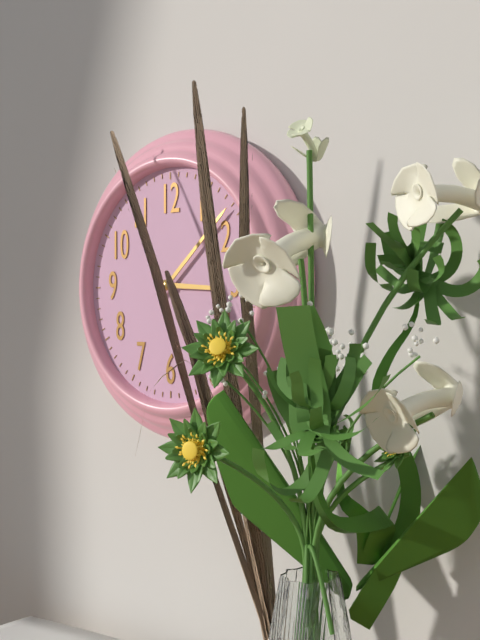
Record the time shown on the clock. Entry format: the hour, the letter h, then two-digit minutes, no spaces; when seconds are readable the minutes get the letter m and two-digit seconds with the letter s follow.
3h08
